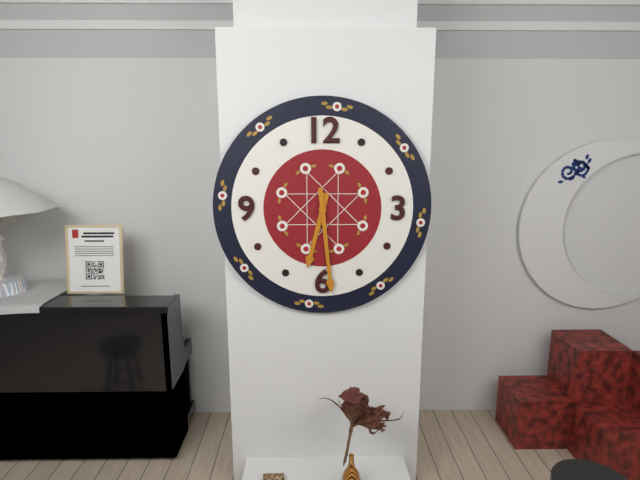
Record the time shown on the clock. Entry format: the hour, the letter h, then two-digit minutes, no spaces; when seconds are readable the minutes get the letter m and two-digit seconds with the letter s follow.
6h29
